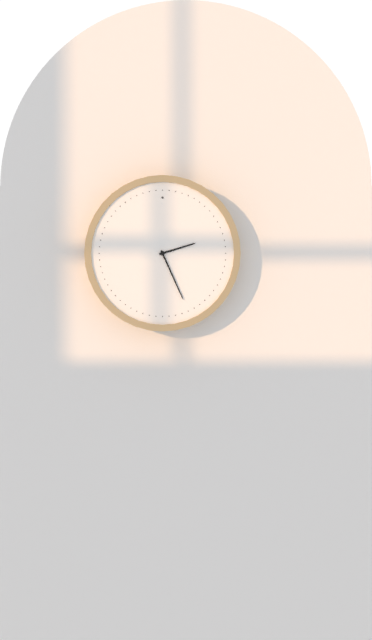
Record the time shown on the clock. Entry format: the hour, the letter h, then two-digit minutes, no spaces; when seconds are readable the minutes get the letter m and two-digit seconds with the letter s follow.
2h26
